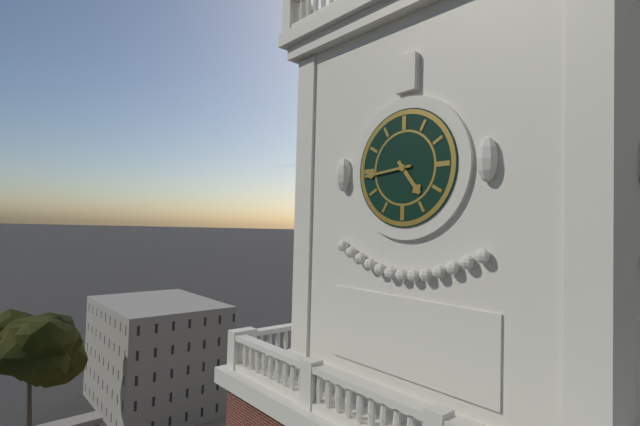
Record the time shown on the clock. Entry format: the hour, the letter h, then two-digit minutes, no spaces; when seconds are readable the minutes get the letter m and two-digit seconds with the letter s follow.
4h44
